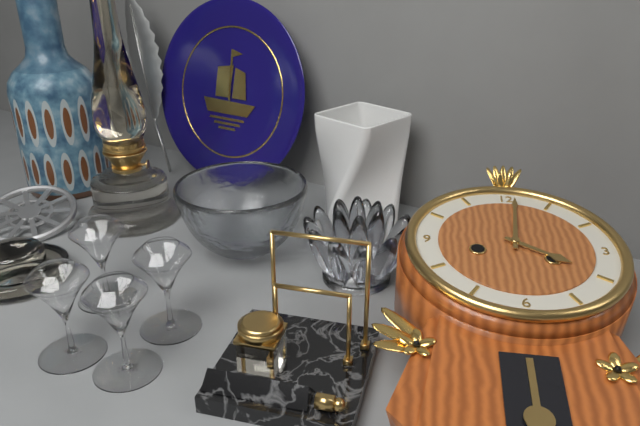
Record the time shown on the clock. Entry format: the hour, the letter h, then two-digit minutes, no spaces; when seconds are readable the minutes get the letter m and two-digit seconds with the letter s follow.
4h01
